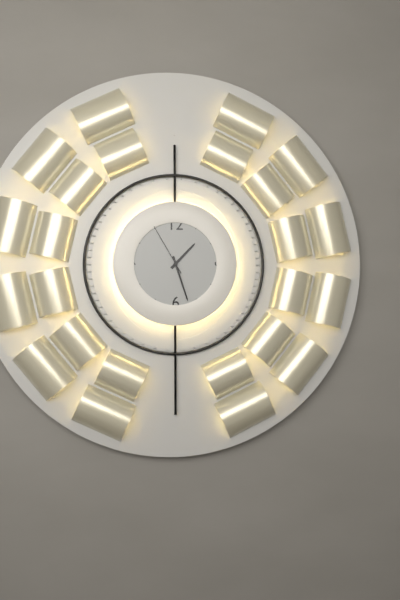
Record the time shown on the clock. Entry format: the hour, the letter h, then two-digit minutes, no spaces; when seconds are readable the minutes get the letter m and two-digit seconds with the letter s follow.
1h27m55s
